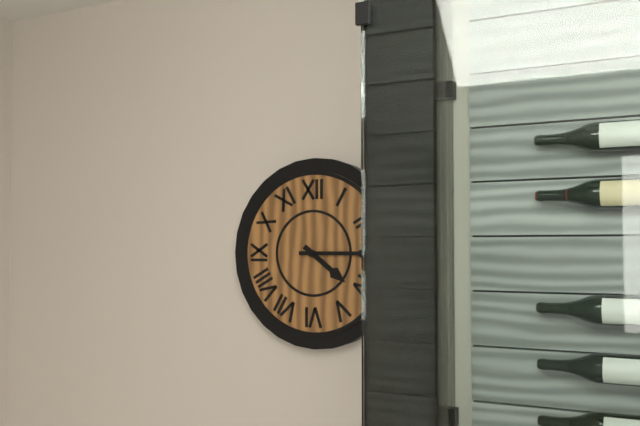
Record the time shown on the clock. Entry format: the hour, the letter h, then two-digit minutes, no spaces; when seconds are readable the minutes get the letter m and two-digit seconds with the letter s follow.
4h15
